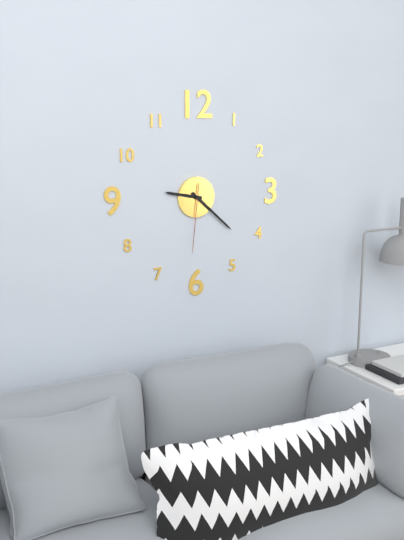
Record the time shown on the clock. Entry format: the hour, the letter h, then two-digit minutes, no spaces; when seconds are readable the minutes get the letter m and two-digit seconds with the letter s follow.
9h22m31s
